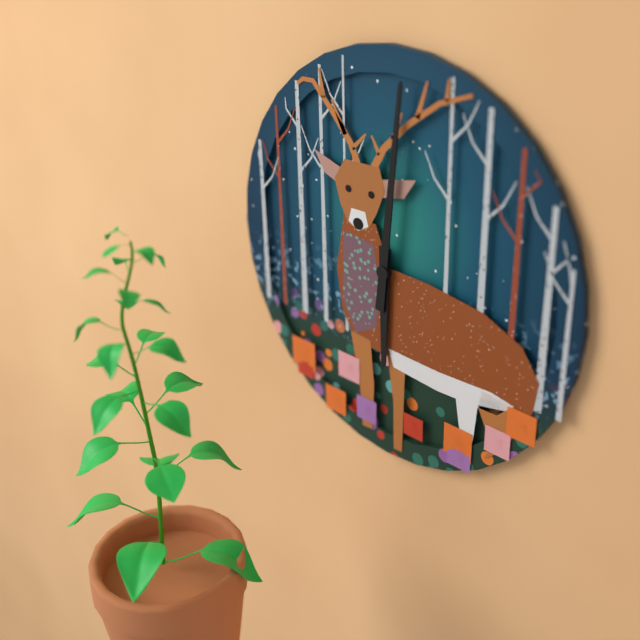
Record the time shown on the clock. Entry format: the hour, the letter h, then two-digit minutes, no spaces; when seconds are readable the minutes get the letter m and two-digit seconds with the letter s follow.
6h01
